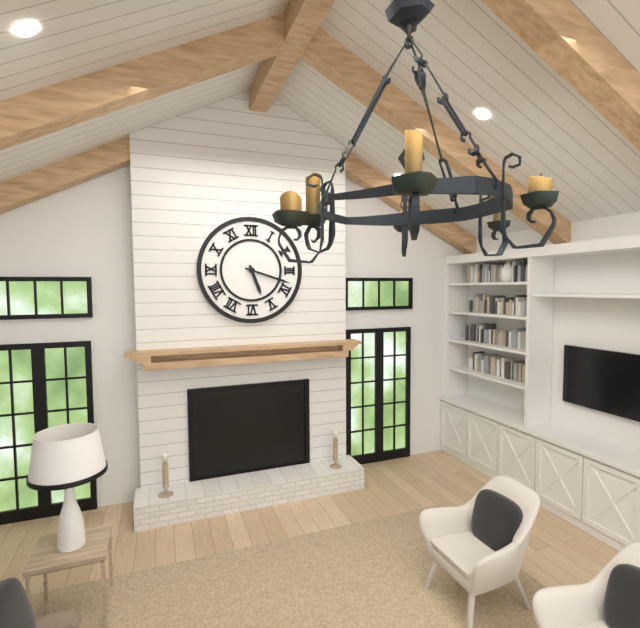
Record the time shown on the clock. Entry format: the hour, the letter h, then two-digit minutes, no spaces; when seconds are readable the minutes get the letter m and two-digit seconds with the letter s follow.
5h18
